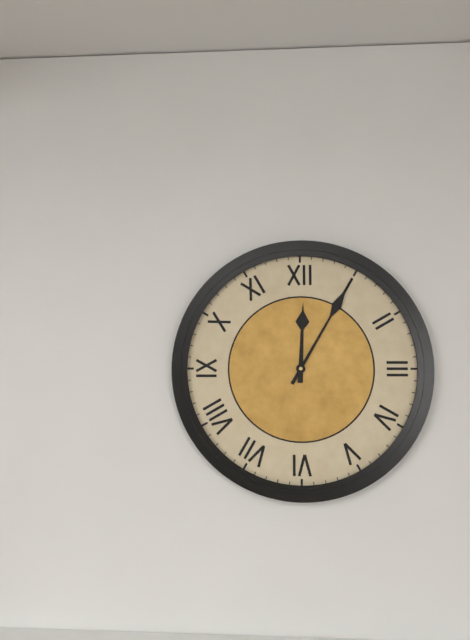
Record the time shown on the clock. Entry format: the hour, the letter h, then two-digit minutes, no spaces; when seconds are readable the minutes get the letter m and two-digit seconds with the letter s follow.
12h05
